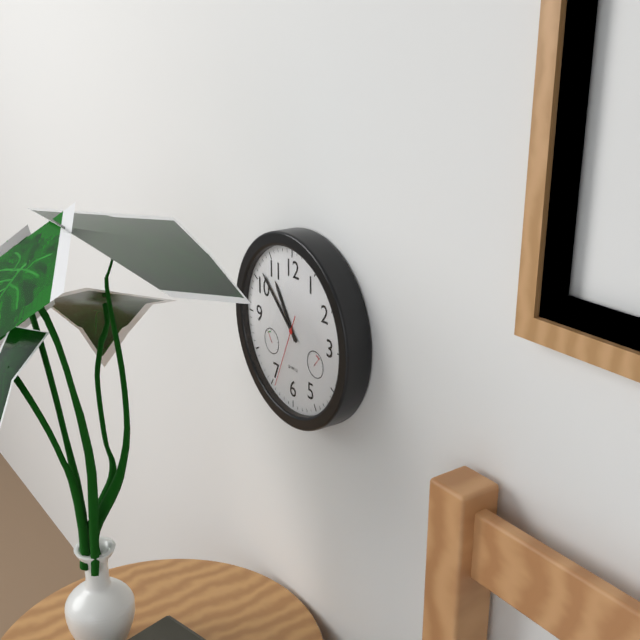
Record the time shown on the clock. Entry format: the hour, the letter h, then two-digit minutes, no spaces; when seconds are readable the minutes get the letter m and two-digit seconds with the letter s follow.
10h52m34s
